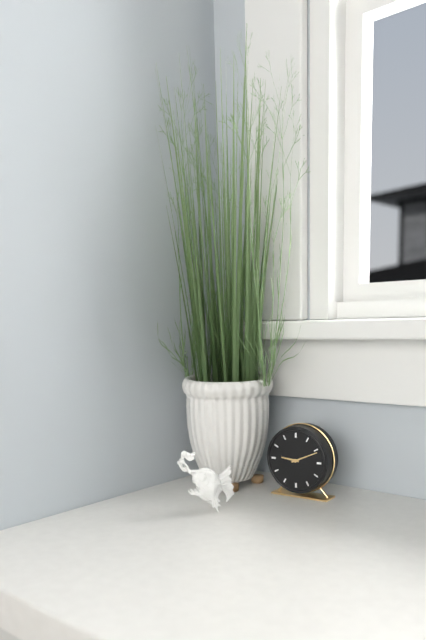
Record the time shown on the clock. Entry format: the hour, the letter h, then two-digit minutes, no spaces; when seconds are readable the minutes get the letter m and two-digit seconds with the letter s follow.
9h11
